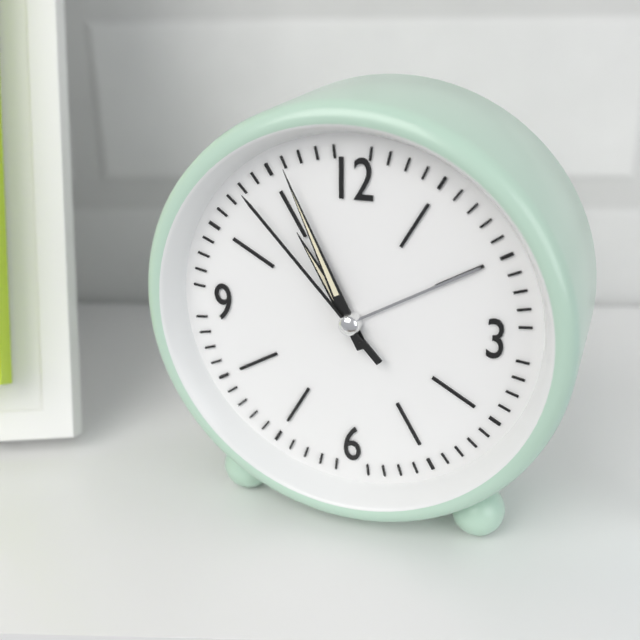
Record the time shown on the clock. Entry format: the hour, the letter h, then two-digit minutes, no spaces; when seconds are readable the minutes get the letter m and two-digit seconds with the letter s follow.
10h56m53s
